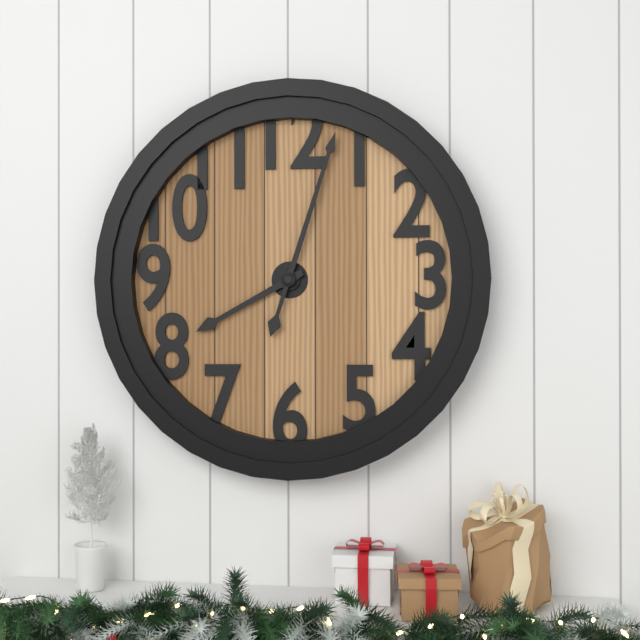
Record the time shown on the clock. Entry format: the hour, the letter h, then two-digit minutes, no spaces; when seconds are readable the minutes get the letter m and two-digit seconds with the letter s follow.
8h03
